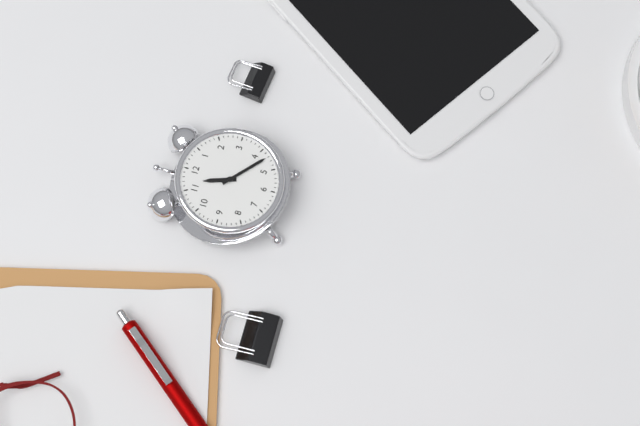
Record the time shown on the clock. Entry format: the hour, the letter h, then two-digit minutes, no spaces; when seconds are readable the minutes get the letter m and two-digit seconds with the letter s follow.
11h22
